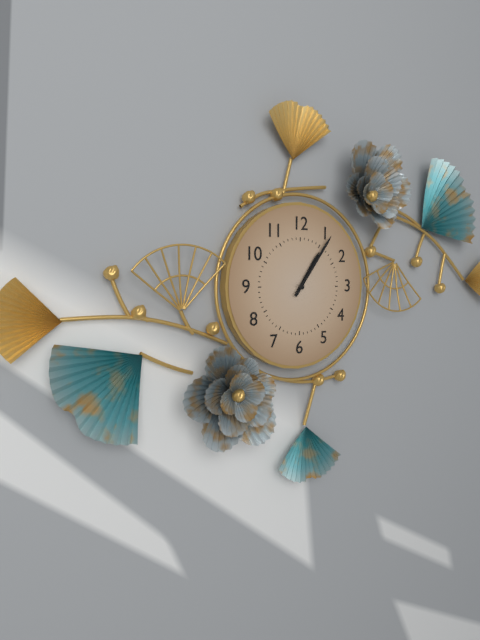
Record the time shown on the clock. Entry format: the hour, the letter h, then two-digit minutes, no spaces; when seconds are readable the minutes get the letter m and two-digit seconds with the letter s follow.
1h06
